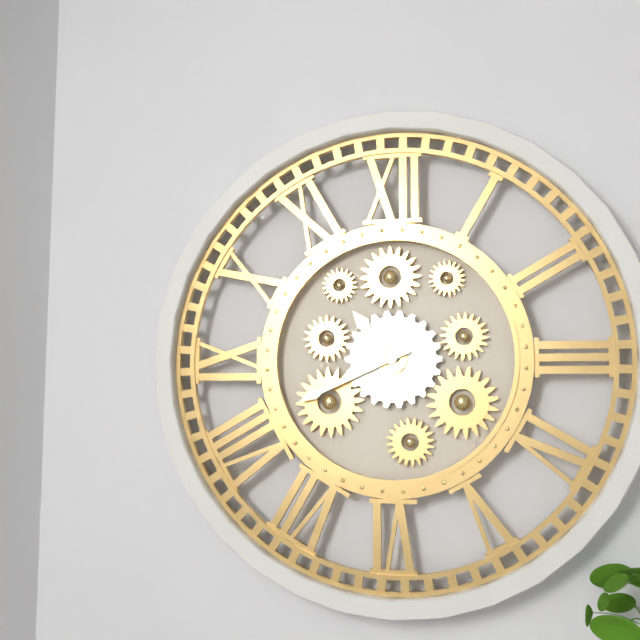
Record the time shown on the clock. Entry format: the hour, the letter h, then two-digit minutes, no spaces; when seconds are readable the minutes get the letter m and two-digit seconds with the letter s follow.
10h41
